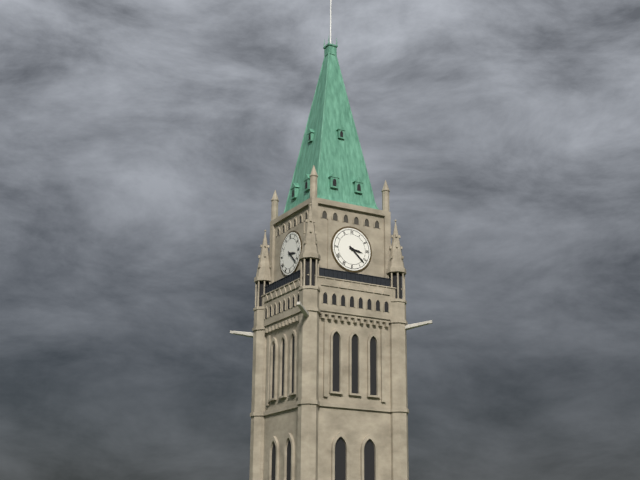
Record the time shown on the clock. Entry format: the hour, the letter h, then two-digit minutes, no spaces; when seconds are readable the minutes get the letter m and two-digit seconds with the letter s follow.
3h22
